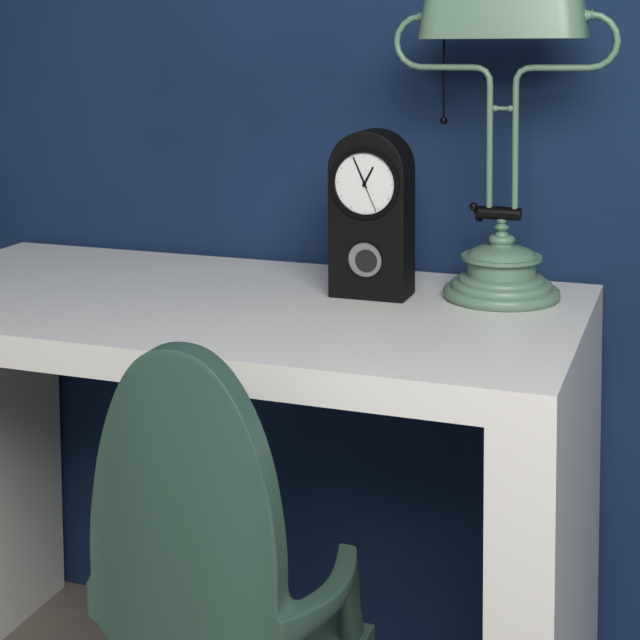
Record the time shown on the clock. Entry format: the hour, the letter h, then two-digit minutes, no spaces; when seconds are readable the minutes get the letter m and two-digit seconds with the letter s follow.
12h56
